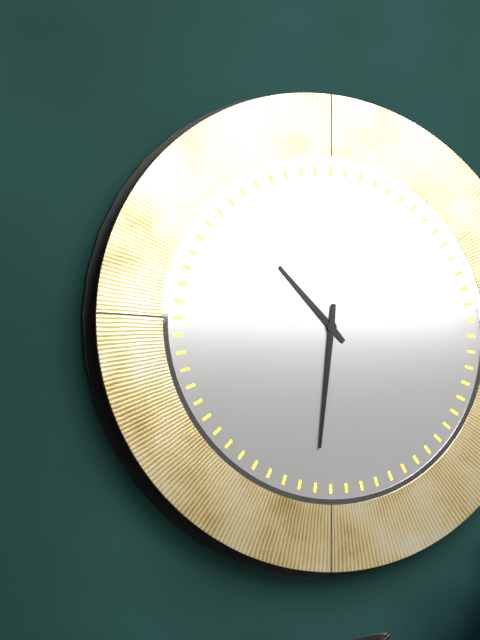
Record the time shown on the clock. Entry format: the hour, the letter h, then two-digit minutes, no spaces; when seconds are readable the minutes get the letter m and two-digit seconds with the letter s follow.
10h31
